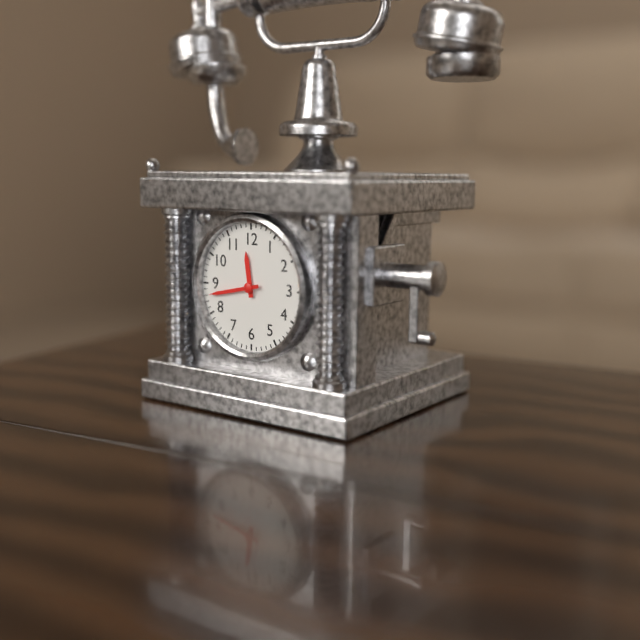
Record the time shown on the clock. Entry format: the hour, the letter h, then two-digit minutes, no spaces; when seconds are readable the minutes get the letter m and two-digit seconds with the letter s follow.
11h43
